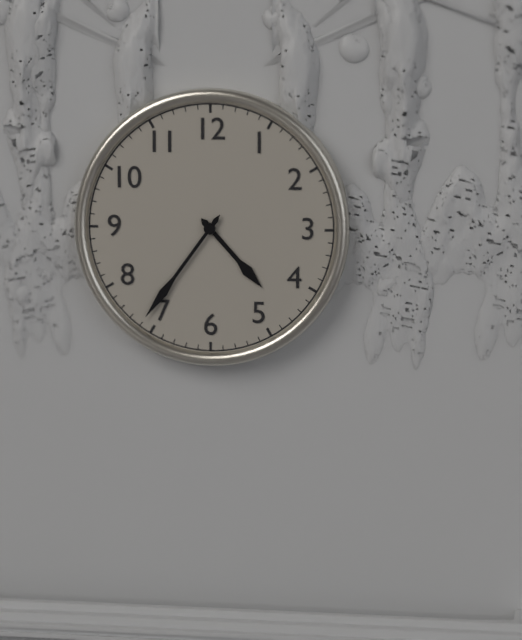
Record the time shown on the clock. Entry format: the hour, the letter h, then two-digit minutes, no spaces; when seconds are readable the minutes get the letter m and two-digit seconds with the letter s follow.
4h36
